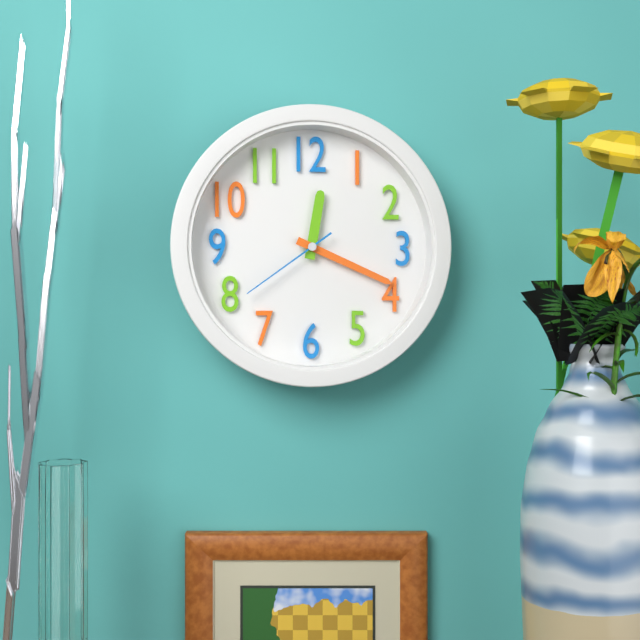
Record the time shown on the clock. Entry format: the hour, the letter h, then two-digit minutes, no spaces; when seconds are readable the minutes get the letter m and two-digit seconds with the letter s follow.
12h19m39s
